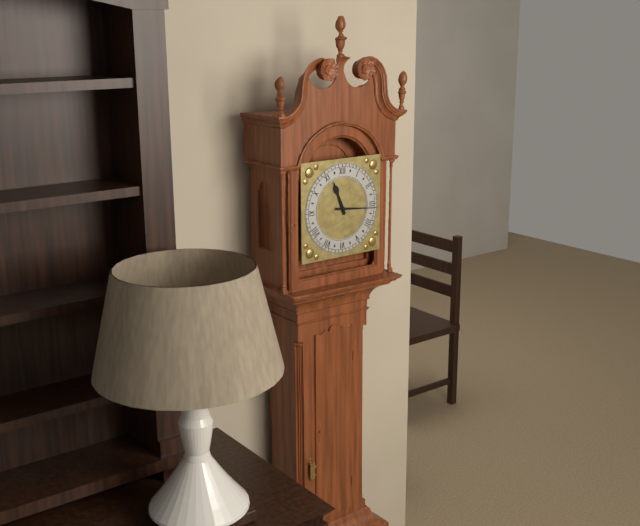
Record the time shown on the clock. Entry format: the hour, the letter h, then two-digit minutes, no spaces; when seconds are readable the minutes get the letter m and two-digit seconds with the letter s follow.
11h16
